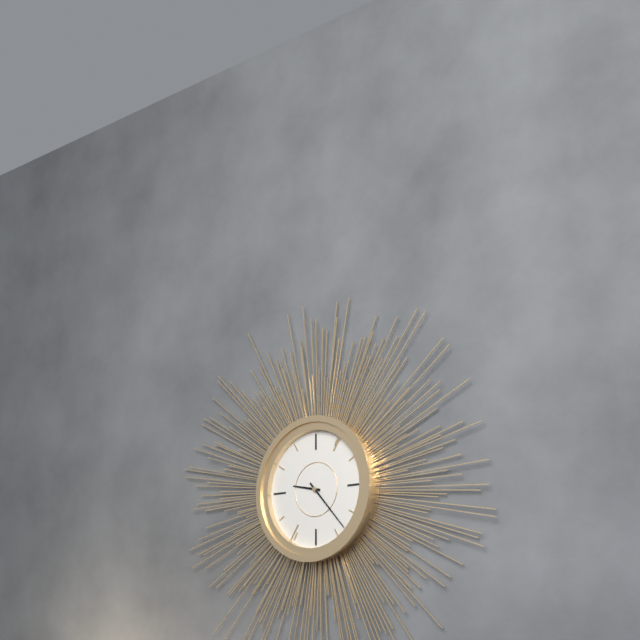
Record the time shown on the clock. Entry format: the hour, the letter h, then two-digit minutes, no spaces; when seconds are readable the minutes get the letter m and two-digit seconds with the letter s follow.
9h23
